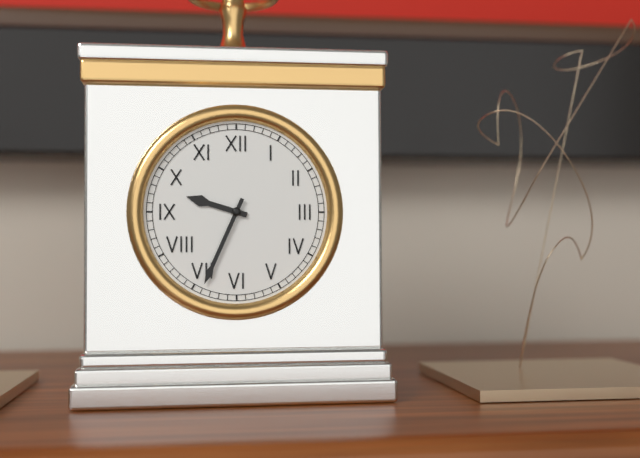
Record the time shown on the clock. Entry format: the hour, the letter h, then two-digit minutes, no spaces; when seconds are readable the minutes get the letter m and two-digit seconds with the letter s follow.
9h34
